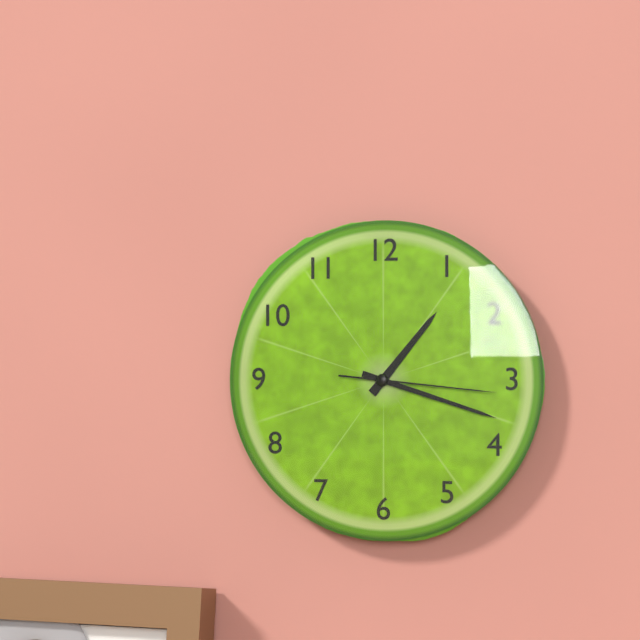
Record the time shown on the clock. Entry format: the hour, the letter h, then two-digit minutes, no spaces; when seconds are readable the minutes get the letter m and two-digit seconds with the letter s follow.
1h18m16s
